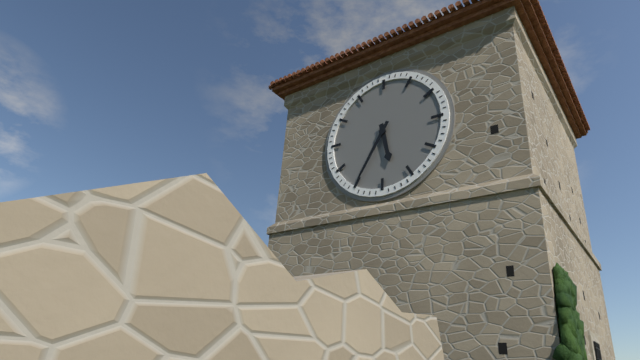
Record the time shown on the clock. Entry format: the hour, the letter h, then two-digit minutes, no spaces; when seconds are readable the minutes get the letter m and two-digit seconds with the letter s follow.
5h35
